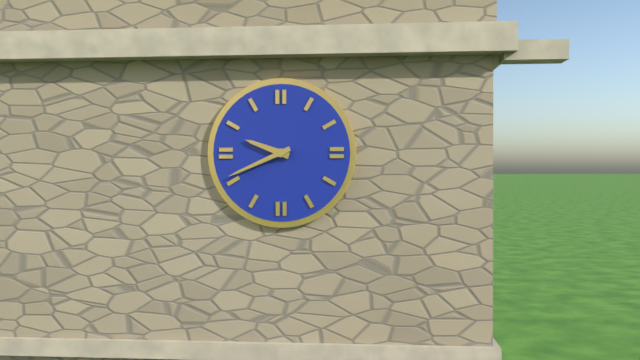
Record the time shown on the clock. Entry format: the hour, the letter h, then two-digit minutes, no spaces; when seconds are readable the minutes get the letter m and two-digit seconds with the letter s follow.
9h41
